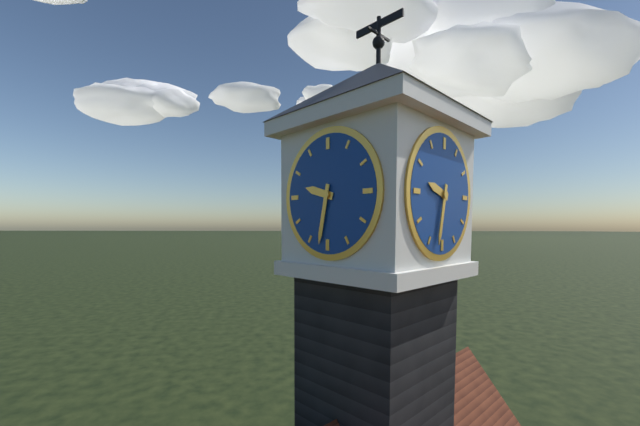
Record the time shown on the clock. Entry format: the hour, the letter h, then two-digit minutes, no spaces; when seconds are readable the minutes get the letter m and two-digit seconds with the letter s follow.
9h32
